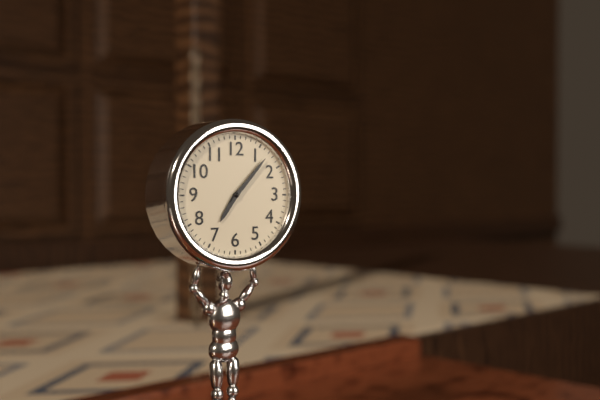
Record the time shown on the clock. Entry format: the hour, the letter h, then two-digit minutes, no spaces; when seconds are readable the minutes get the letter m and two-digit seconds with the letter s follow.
7h07
